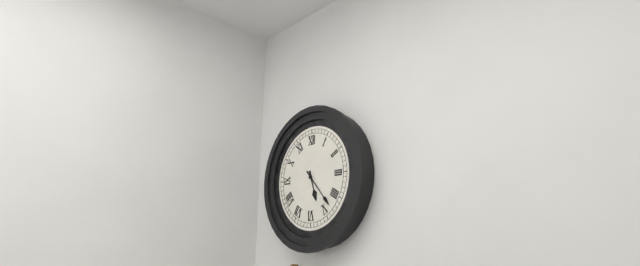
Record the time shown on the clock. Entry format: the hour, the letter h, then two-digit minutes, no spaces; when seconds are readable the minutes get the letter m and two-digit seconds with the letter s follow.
5h23
